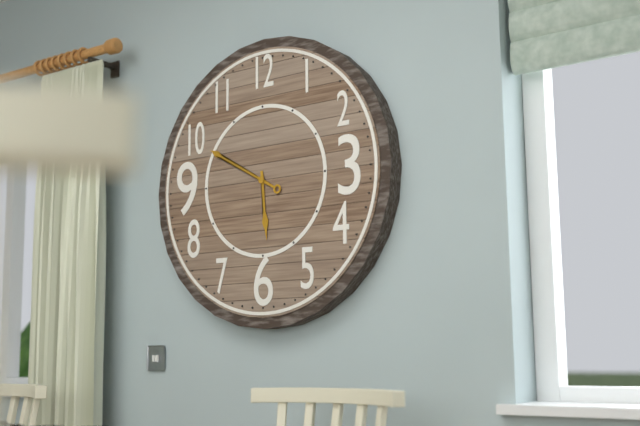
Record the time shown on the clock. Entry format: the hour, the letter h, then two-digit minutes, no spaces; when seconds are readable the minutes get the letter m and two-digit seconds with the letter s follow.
5h50
